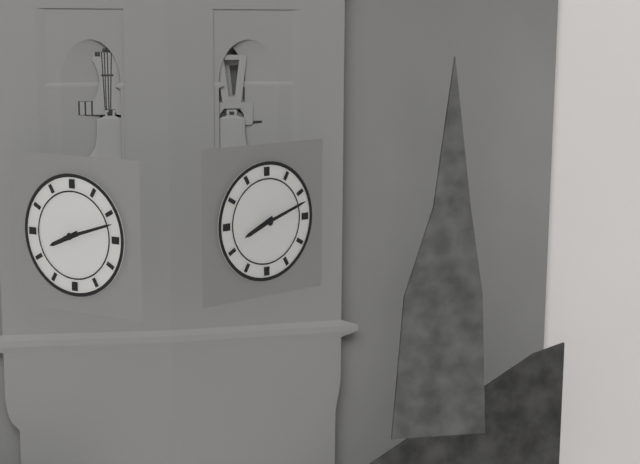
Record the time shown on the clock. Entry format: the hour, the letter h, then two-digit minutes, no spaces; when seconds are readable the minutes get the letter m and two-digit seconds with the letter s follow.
8h12
